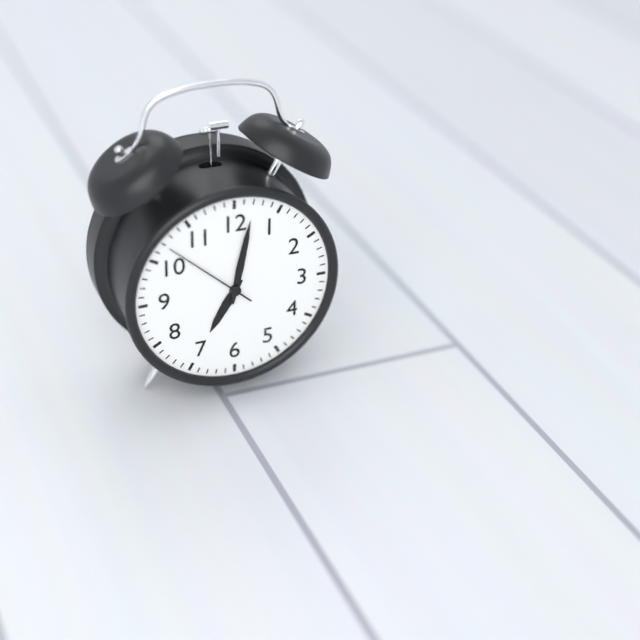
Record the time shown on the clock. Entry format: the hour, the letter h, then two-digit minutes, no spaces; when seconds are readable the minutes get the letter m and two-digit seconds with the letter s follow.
7h02m52s
